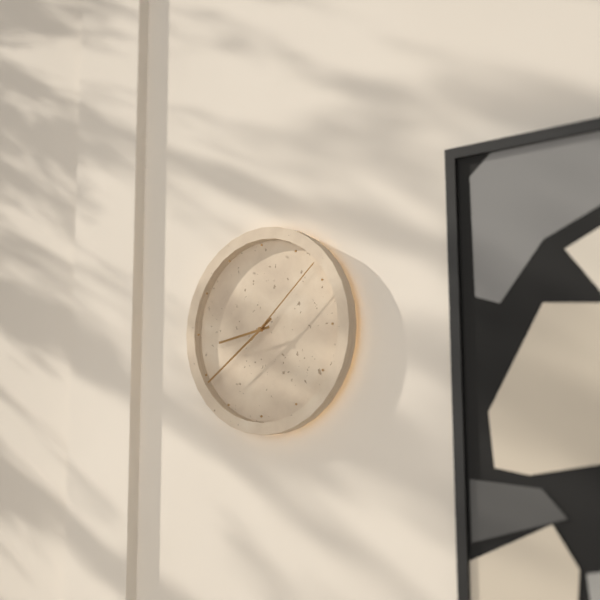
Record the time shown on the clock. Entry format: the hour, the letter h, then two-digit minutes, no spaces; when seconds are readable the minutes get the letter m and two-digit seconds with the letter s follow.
8h39m08s
